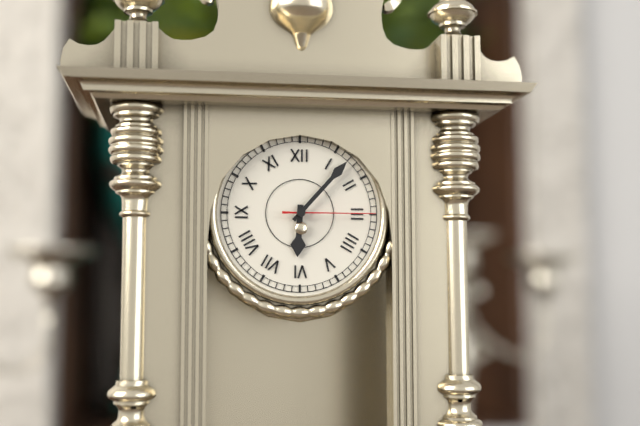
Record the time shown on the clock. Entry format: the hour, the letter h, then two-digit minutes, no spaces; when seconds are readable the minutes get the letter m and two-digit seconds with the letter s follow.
6h07m15s
